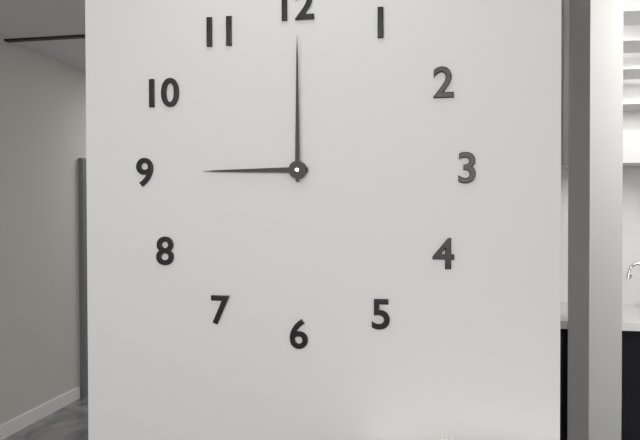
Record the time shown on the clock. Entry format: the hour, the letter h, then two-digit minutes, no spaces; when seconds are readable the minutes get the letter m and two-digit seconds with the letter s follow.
9h00
